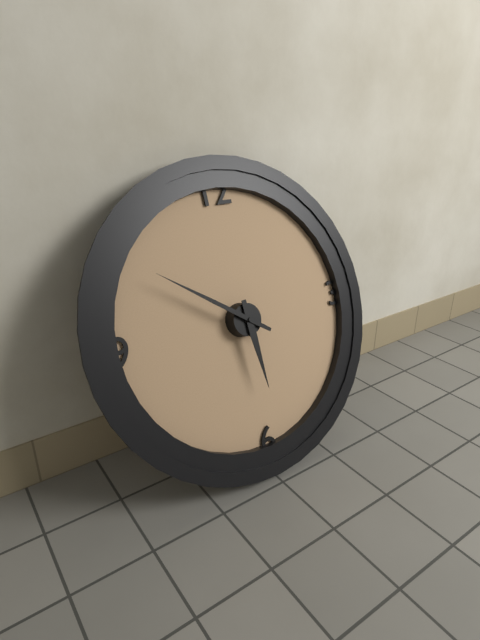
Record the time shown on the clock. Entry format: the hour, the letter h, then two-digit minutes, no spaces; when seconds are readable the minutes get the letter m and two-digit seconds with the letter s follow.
5h51
